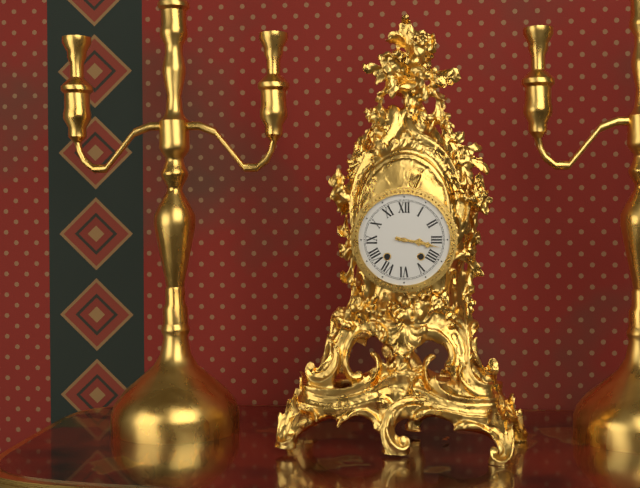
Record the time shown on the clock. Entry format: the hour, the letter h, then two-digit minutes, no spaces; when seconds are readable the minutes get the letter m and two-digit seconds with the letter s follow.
3h17
